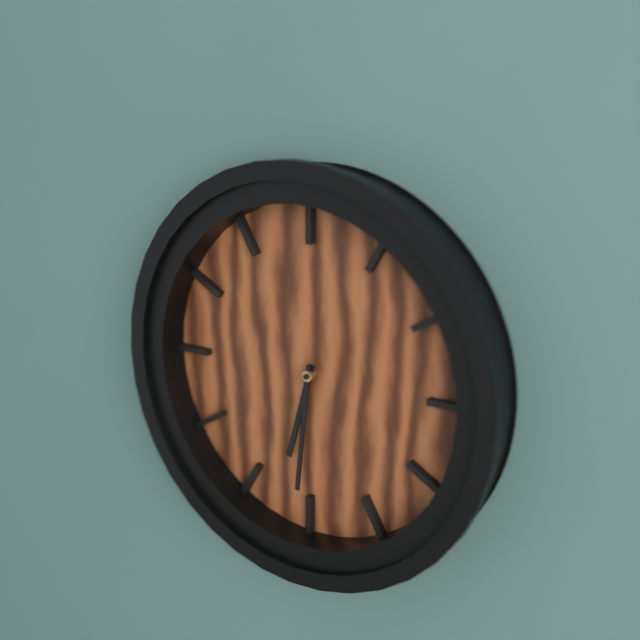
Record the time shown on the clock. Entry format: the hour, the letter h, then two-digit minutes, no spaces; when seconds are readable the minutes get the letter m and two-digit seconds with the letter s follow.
6h31
